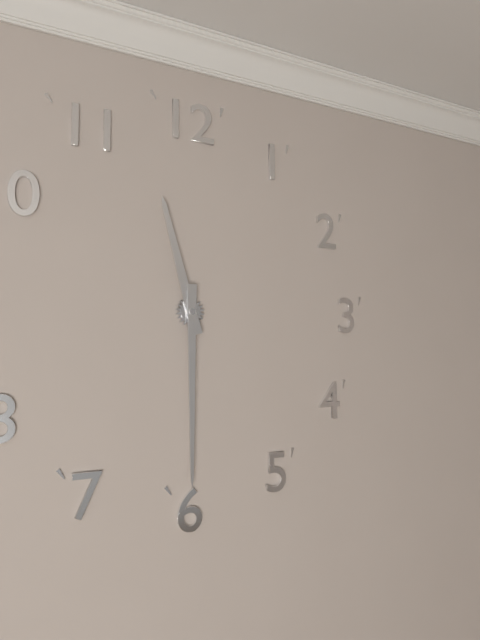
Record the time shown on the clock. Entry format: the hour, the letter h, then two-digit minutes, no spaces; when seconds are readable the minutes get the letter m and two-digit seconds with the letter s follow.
11h30
